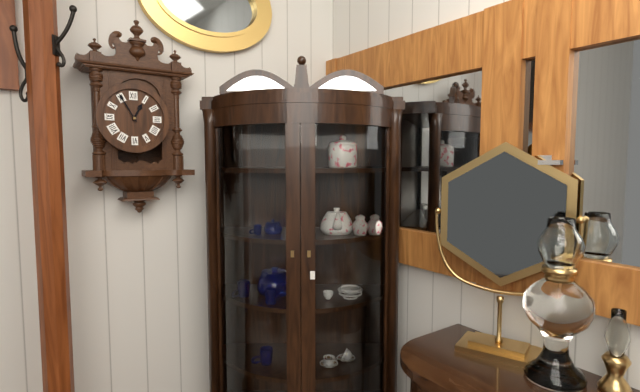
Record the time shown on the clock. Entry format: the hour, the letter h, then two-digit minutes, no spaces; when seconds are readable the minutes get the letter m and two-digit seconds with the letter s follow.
12h55
